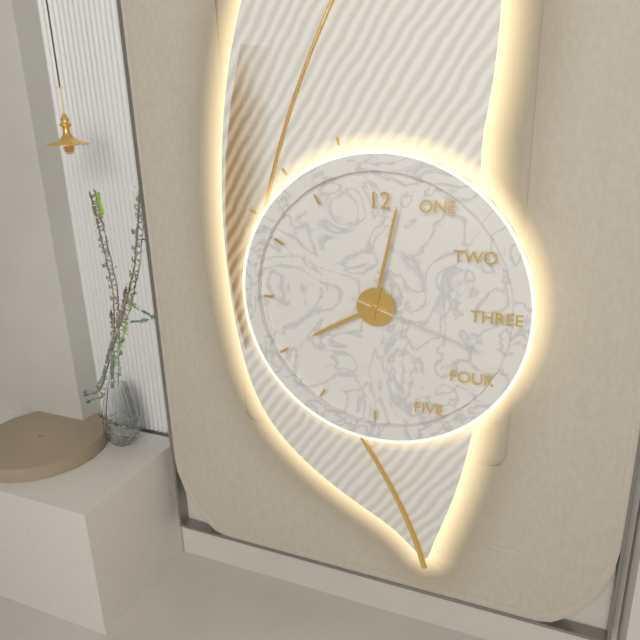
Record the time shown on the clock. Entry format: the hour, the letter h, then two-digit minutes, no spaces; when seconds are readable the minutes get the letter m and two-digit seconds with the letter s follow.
8h02m18s
